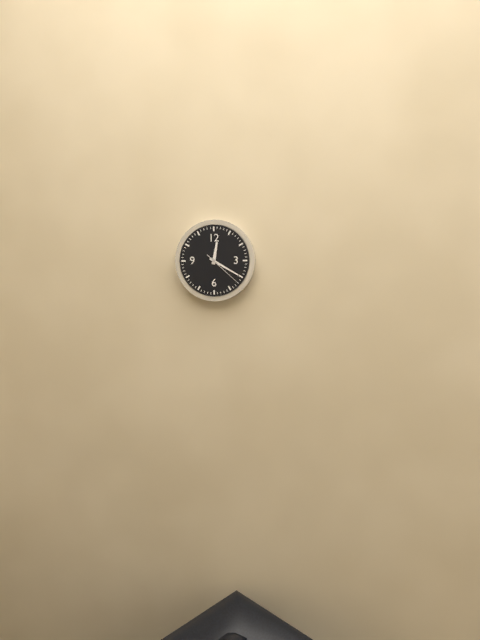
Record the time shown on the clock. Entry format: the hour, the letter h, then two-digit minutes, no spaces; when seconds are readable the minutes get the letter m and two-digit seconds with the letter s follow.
12h20
